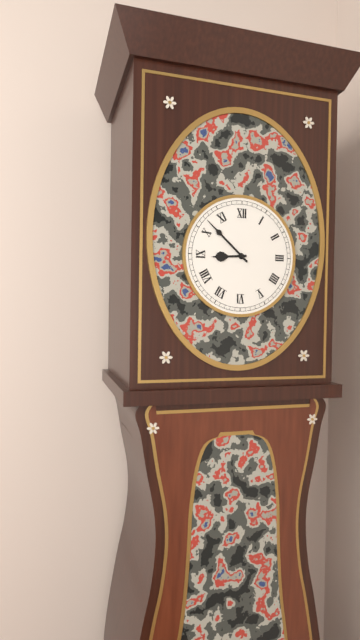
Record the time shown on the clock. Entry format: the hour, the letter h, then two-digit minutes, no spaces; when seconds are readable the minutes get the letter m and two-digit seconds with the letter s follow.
8h52
